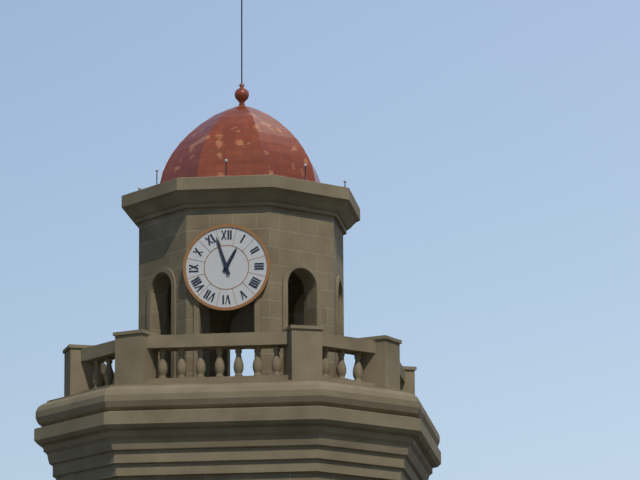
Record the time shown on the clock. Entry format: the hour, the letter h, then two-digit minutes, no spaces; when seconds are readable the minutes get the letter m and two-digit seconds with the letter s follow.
12h57
